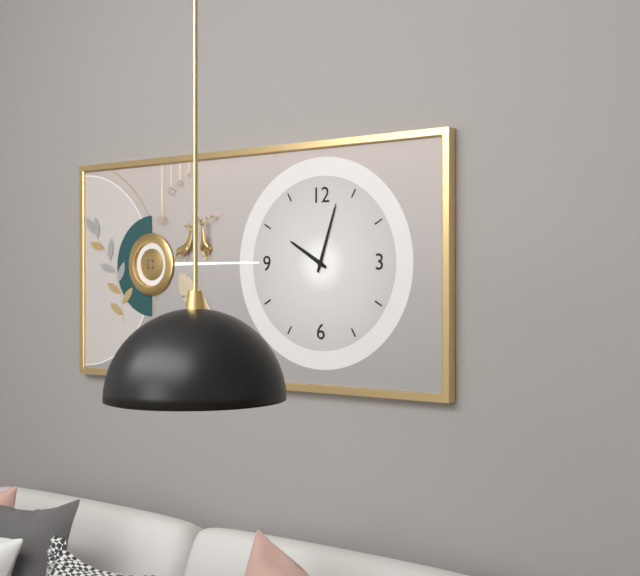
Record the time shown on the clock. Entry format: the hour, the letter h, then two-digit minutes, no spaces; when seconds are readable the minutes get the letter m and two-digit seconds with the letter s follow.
10h03
